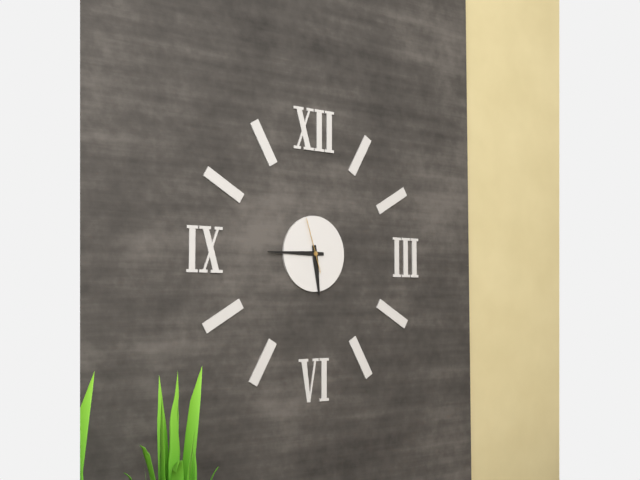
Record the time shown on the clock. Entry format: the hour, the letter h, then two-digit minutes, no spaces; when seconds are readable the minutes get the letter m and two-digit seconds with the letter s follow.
5h45
